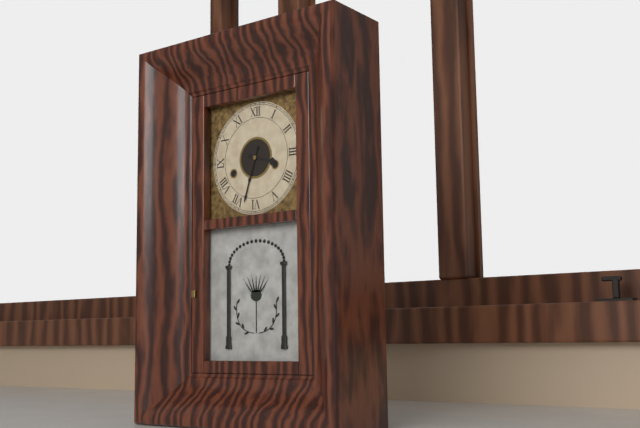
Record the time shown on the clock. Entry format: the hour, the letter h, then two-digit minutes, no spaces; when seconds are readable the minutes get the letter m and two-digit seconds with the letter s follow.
3h33
